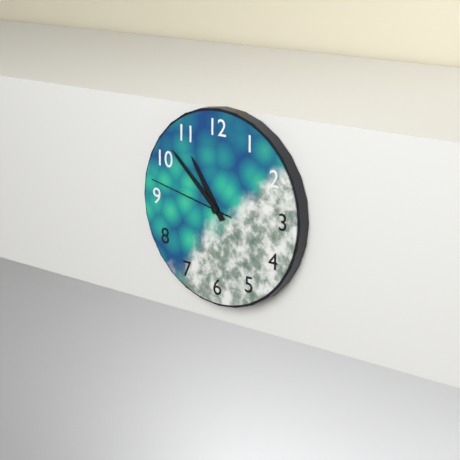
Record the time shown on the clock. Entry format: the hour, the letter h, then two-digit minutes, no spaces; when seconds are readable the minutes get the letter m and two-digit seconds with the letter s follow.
10h52m47s
